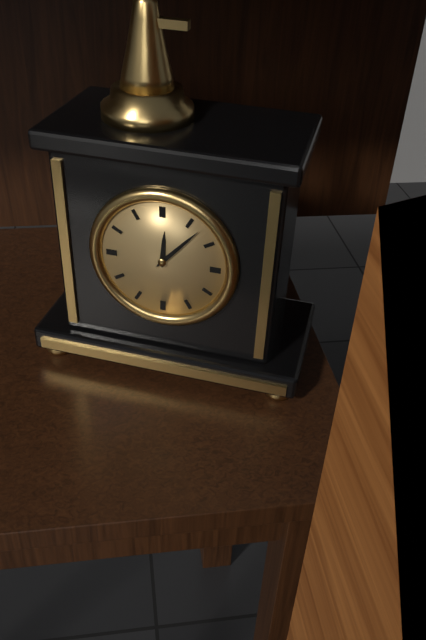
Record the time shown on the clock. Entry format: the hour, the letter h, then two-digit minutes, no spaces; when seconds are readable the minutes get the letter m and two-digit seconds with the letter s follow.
12h07
